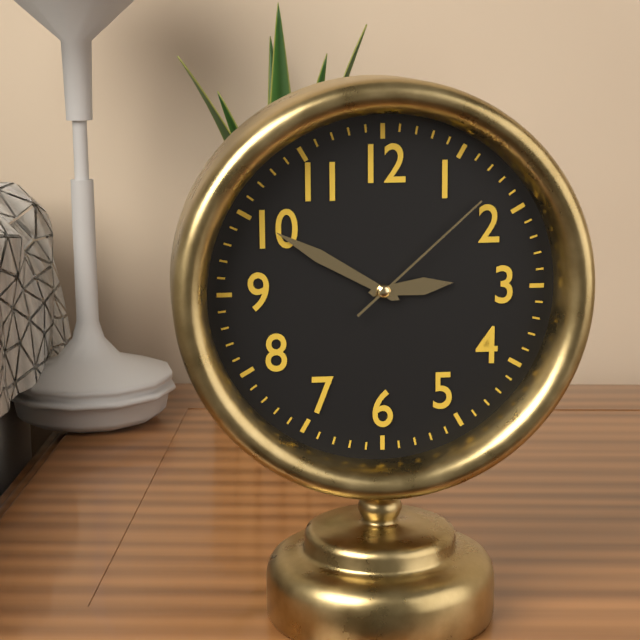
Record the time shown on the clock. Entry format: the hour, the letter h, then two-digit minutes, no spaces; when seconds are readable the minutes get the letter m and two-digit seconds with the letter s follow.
2h50m08s
